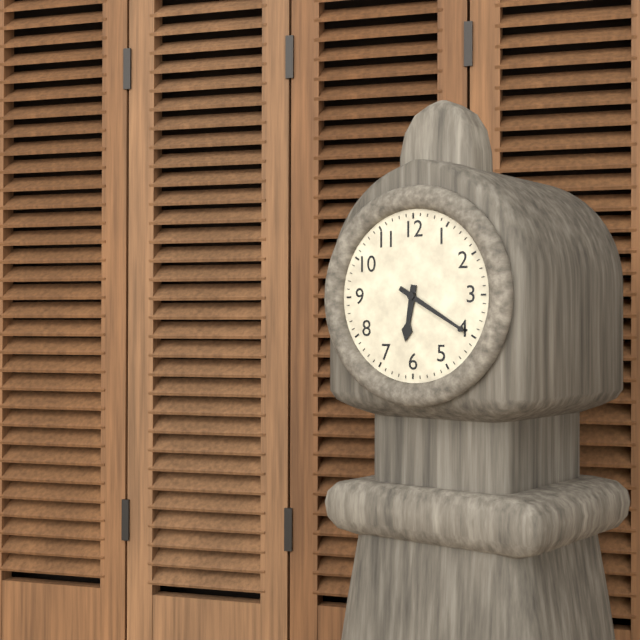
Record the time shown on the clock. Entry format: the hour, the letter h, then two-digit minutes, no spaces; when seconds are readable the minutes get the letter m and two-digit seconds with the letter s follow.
6h20
